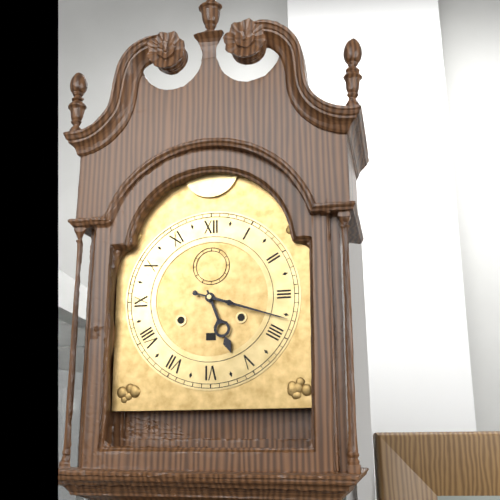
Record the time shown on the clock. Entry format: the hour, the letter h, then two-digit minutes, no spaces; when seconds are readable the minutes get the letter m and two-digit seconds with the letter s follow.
5h18
